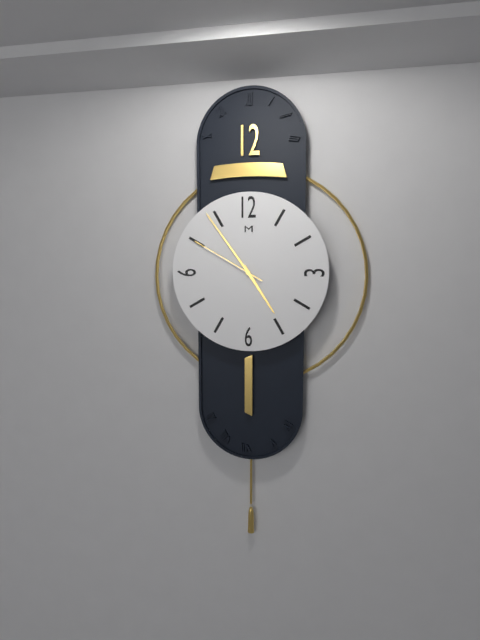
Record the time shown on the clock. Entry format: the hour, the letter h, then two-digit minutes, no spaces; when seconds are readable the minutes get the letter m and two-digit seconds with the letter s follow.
4h54m50s
